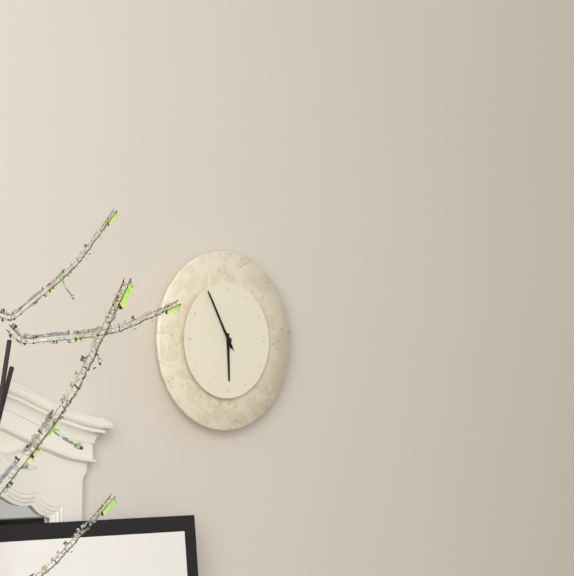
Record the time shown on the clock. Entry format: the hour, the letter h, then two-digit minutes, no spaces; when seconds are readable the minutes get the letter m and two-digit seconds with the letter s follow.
5h55m55s
